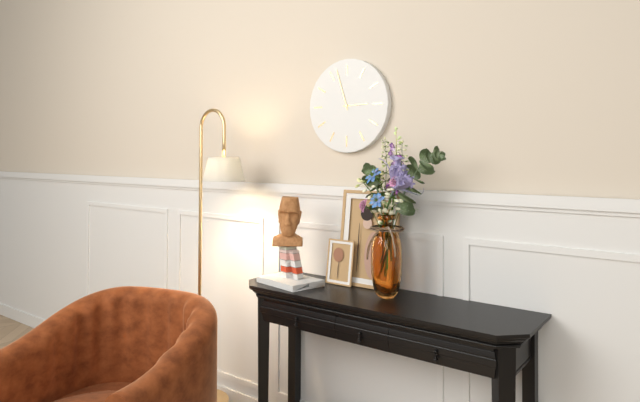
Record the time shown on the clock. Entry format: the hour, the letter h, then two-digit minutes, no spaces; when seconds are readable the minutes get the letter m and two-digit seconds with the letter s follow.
2h57
